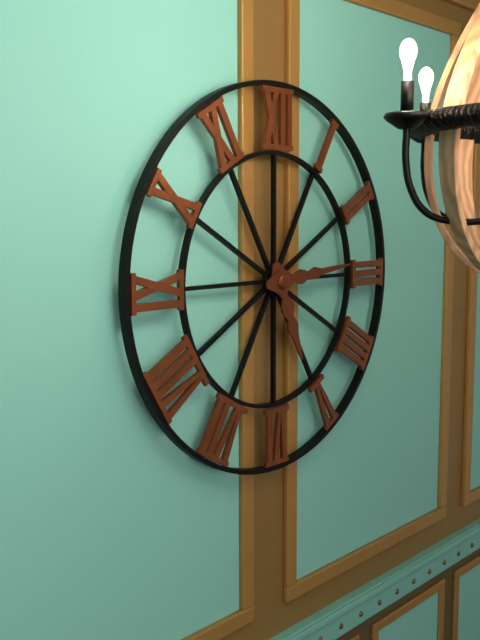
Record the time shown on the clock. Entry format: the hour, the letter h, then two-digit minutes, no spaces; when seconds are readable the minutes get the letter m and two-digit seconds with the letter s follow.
5h14
